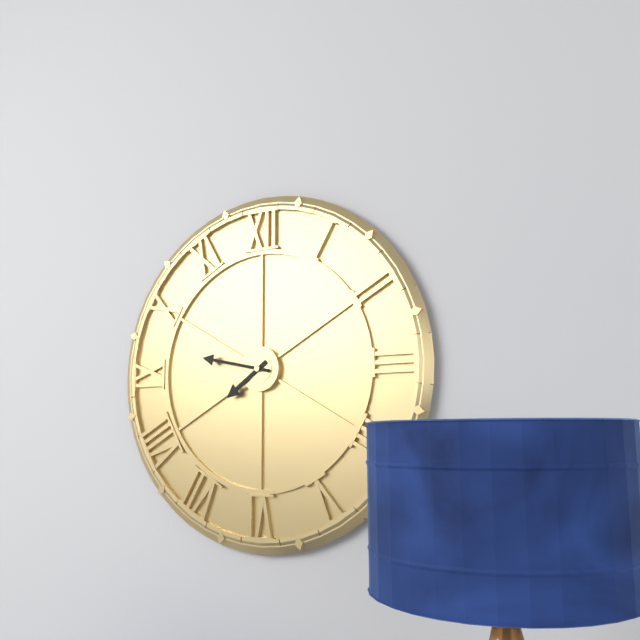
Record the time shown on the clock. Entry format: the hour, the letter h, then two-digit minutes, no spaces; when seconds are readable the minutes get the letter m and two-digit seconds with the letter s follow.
7h47
